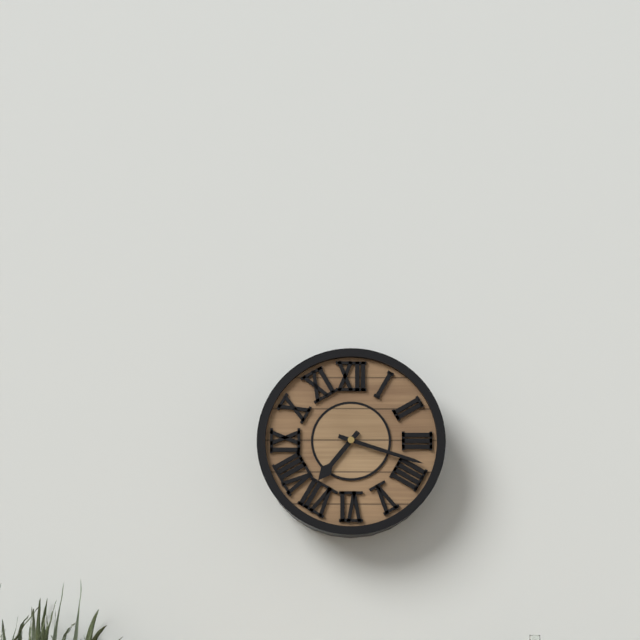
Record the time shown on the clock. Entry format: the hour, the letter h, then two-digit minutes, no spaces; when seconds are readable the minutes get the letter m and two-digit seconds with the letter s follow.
7h18
